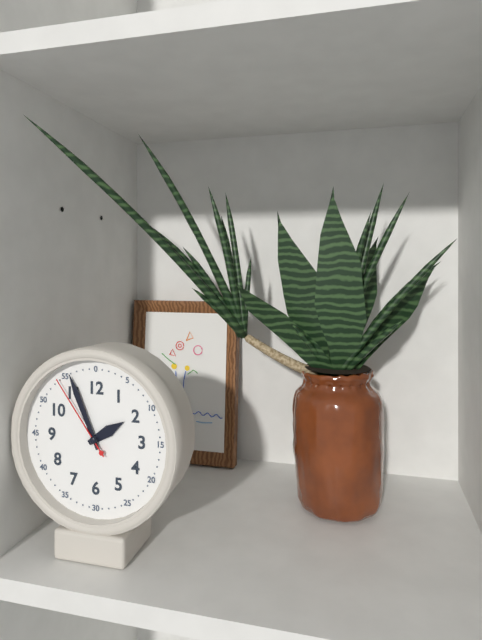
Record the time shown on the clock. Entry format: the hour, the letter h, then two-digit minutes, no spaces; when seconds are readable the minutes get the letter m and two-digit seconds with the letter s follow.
1h56m54s
